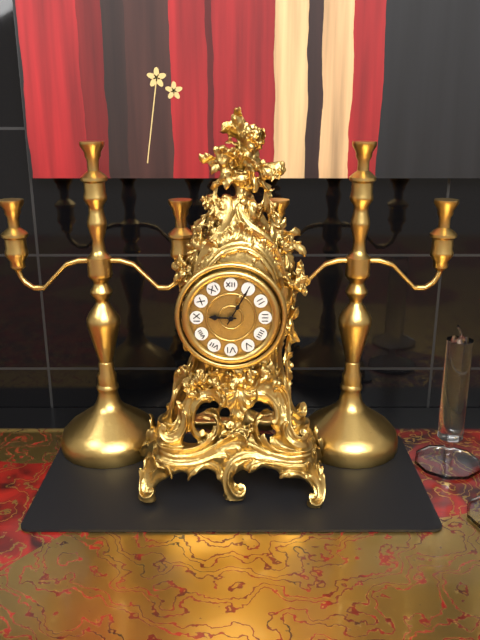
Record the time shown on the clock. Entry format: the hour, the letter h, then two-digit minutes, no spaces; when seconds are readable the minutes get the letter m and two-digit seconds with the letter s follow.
9h05
